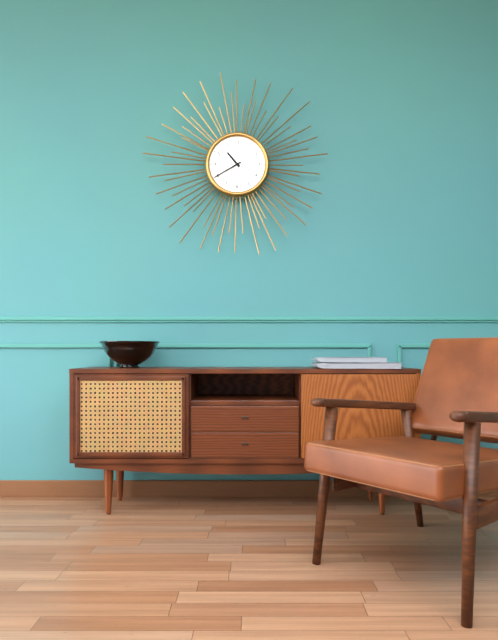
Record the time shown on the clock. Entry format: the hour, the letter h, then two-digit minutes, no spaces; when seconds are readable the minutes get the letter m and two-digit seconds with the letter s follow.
10h40
